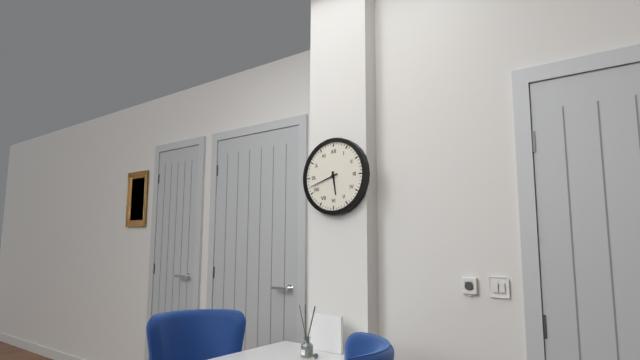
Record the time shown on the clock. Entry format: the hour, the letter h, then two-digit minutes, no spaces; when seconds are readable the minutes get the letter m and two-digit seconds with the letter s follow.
5h42
